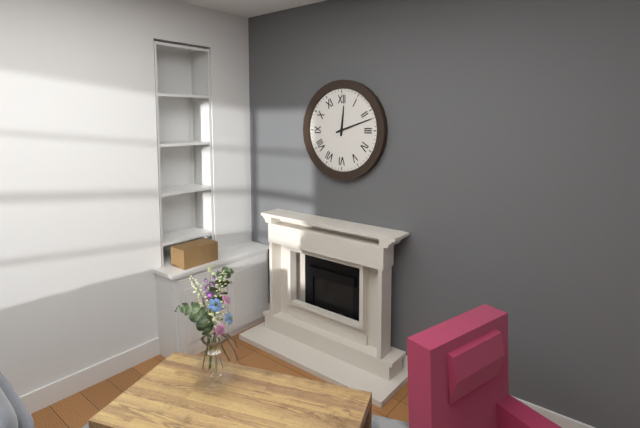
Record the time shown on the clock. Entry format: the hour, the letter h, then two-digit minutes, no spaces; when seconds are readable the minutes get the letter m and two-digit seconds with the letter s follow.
12h12
